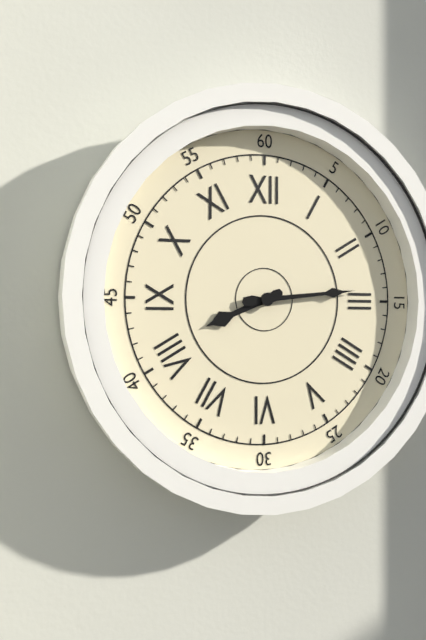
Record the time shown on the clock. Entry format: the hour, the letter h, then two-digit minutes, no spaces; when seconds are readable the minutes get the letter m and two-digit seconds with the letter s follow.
8h14
